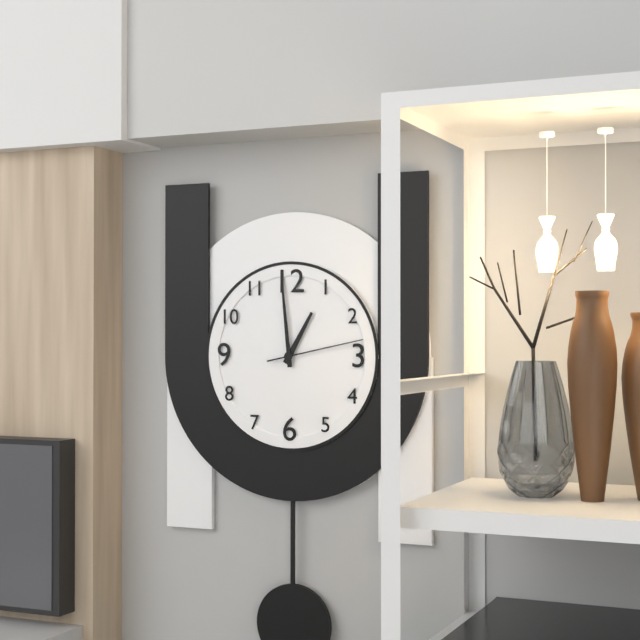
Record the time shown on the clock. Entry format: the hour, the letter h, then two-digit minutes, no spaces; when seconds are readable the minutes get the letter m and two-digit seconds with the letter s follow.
12h59m13s
